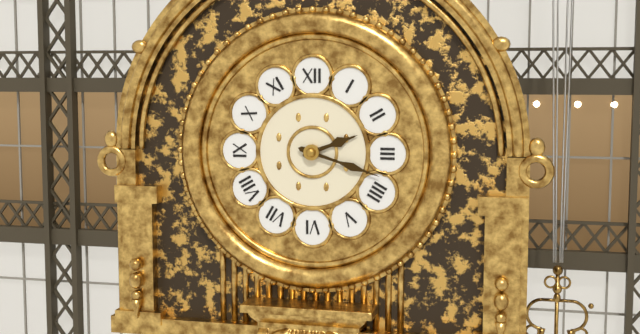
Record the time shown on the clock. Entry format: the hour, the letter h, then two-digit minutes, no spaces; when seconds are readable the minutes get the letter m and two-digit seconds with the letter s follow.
2h18
